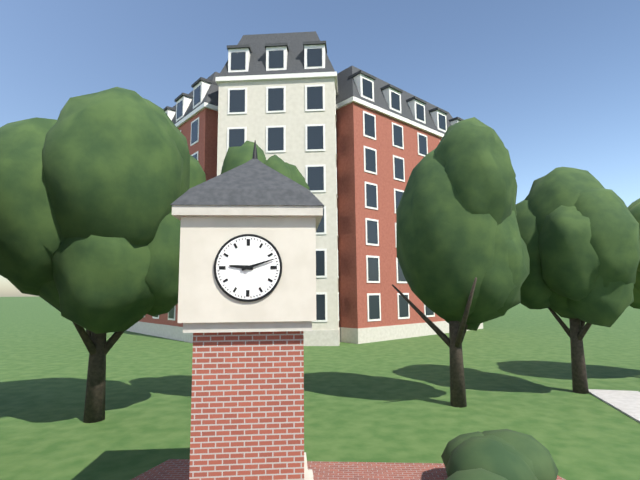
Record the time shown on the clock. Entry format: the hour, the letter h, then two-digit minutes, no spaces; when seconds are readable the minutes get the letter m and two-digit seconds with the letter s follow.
9h12
